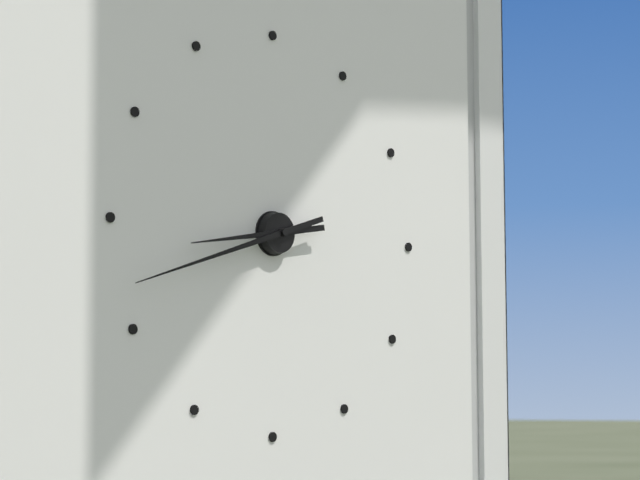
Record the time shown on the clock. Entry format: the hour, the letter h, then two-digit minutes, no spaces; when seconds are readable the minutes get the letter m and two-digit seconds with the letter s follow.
8h42
